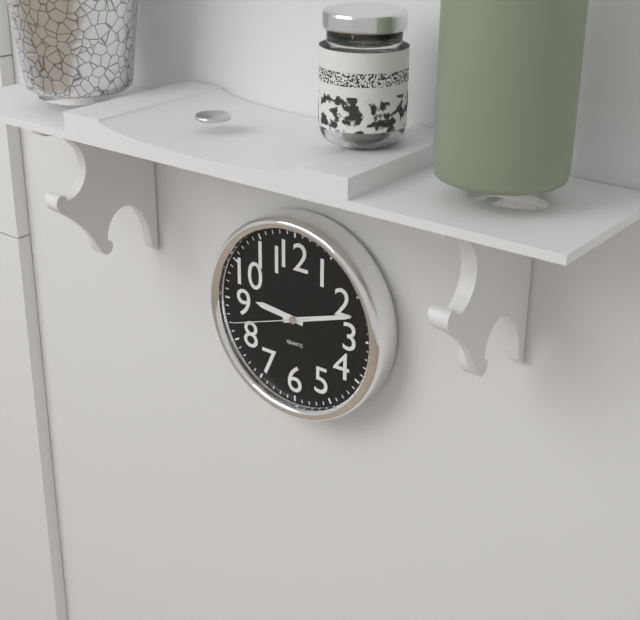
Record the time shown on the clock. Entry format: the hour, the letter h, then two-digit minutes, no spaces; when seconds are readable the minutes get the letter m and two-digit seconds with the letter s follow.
9h12m42s
